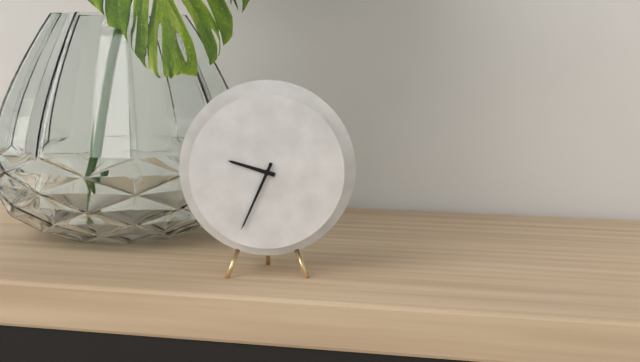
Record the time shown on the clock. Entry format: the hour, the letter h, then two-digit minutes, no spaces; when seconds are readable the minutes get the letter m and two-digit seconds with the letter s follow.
9h34
